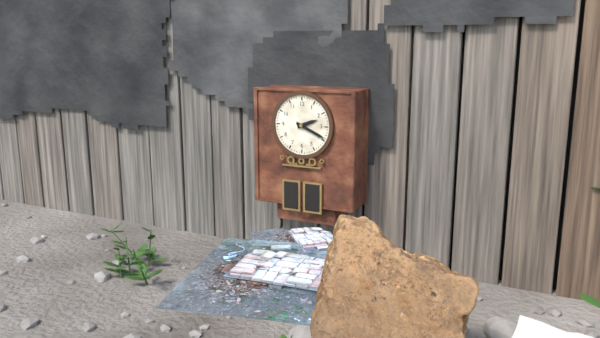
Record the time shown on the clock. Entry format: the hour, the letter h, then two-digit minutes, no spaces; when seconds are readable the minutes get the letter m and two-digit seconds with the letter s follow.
2h19
